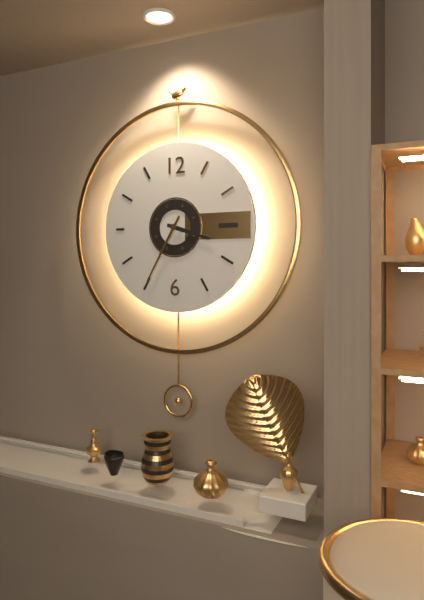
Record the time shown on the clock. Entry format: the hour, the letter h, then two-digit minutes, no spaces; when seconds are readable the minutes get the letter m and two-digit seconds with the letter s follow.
3h35
